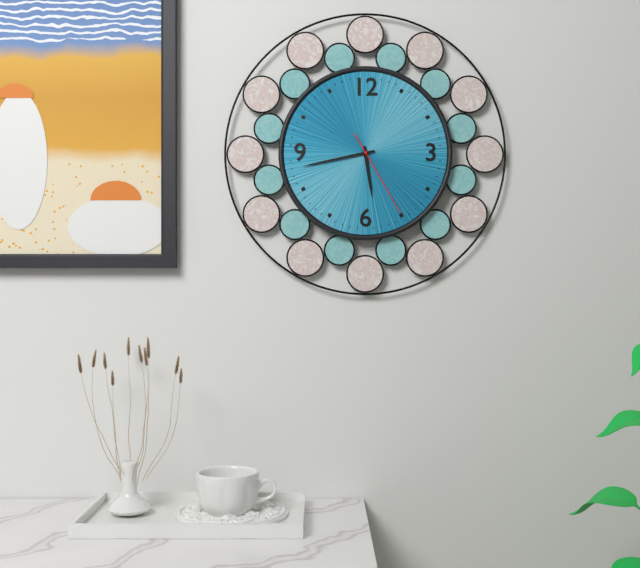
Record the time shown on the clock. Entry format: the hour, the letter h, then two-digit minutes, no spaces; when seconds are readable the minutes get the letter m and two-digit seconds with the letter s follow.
5h43m25s
